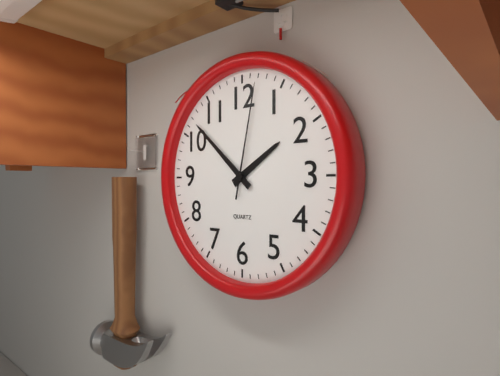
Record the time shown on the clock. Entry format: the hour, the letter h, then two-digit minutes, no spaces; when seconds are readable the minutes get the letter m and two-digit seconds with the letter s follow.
1h52m02s
